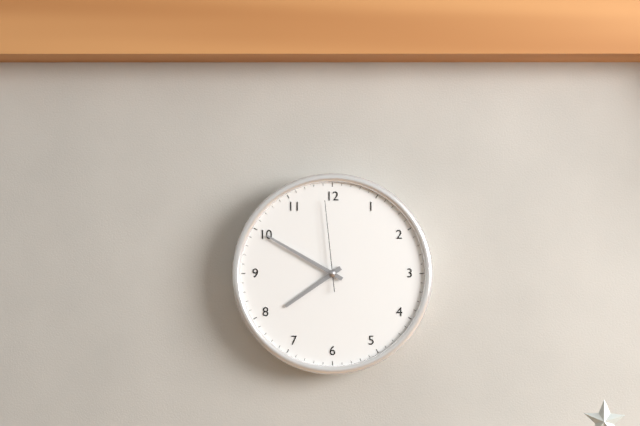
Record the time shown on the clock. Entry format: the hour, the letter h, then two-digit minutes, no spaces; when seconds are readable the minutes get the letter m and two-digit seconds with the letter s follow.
7h50m59s
